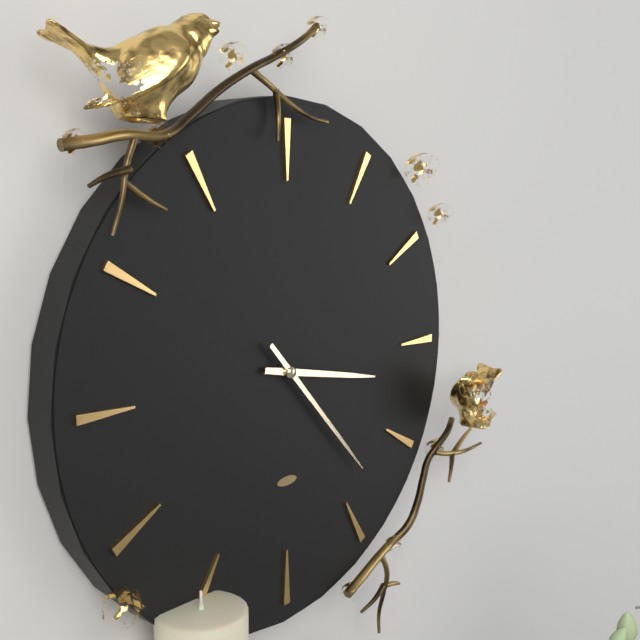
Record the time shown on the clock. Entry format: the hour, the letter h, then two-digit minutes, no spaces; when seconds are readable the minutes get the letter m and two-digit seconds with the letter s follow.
3h23
